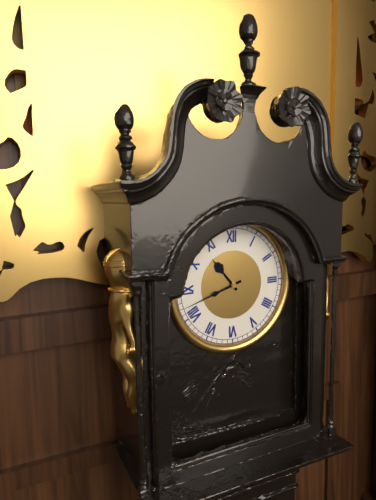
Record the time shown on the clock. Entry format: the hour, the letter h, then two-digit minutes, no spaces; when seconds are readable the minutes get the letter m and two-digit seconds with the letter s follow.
10h42
